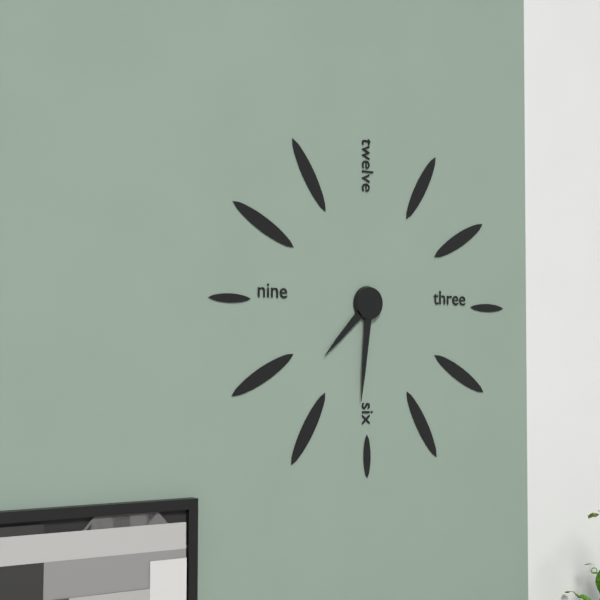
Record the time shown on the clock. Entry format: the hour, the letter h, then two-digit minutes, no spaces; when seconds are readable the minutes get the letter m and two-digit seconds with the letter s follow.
7h31
